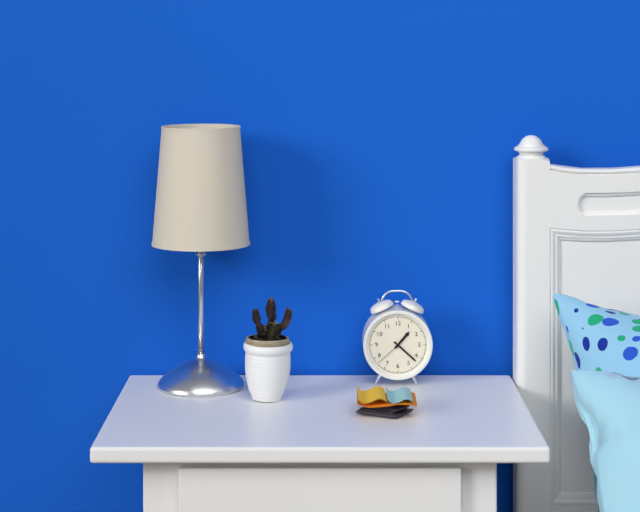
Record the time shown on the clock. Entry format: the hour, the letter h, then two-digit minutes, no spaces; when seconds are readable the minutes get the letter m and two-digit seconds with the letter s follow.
1h22
